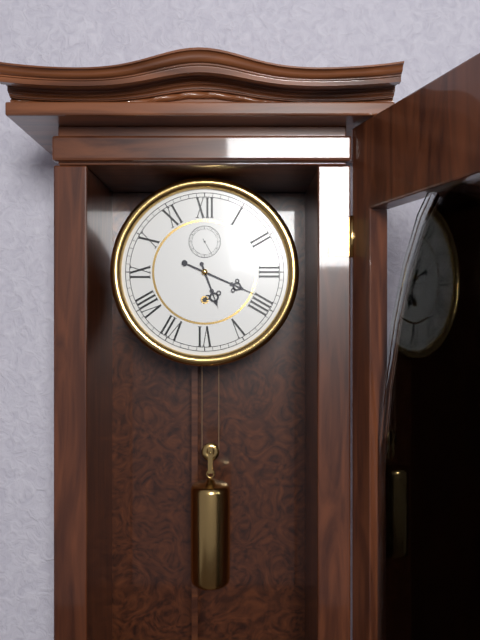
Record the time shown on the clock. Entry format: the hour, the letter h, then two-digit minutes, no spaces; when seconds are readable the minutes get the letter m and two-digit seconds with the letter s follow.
5h19
